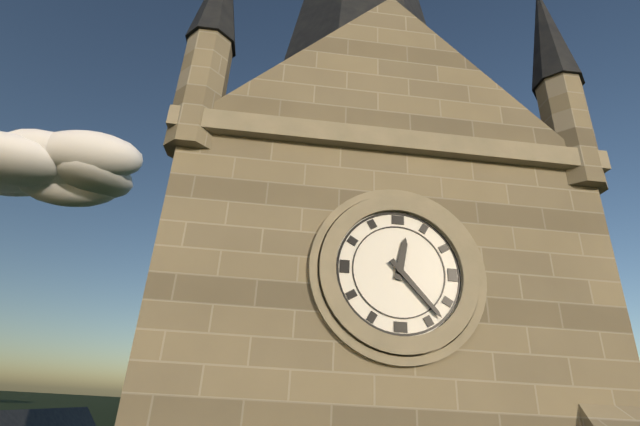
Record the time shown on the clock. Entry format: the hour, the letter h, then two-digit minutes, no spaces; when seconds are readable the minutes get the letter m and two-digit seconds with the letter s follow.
12h23
